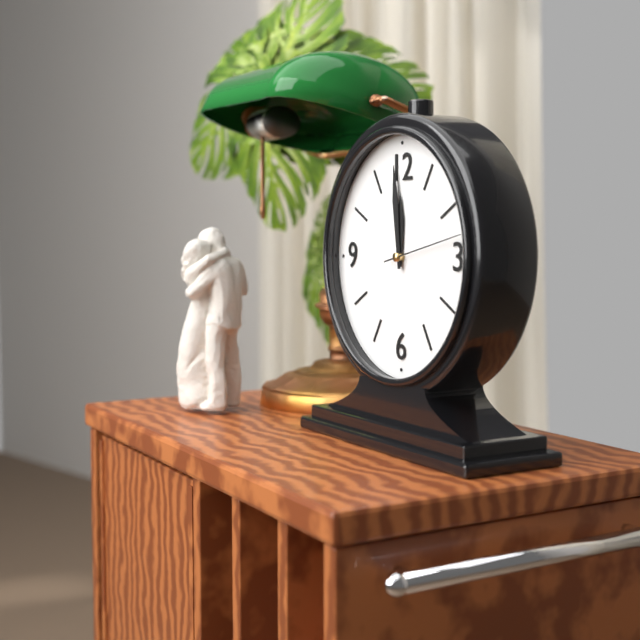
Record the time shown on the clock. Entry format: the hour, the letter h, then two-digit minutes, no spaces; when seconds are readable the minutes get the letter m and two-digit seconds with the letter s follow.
11h59m13s
